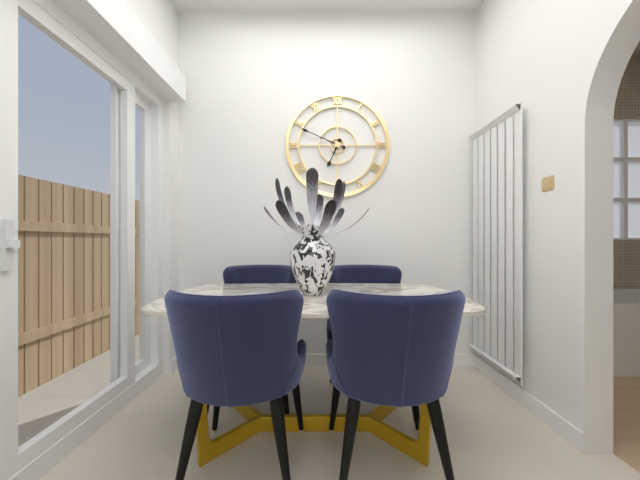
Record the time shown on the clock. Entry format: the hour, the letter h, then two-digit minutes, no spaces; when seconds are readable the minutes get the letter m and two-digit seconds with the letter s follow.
6h49
